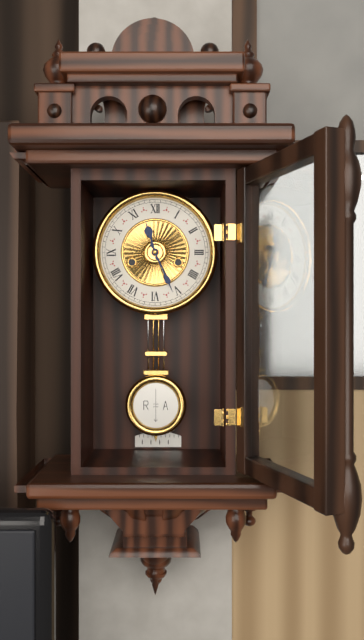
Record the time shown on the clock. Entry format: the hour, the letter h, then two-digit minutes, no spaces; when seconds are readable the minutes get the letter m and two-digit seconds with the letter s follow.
11h26
